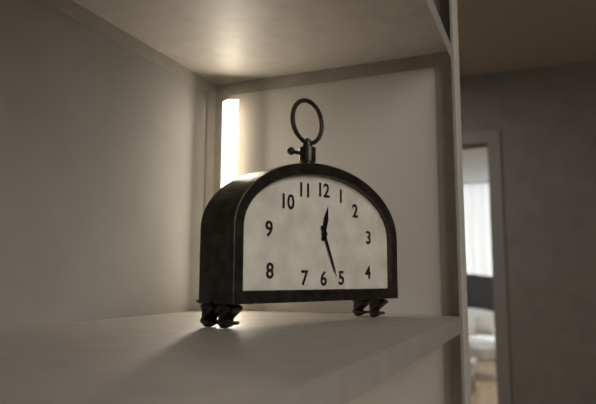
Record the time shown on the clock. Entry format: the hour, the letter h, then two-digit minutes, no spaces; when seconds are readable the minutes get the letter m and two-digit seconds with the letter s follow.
12h26
